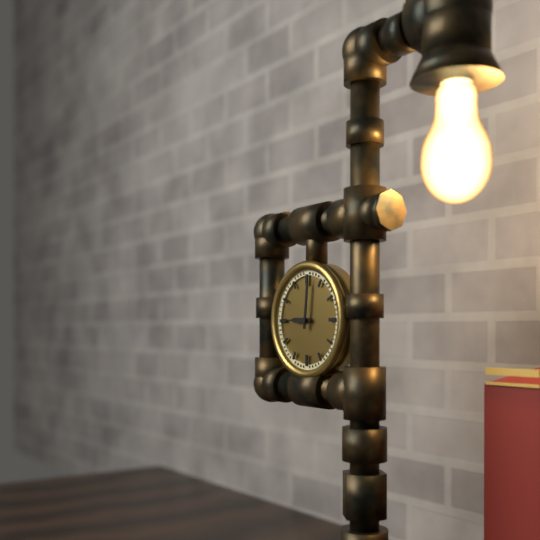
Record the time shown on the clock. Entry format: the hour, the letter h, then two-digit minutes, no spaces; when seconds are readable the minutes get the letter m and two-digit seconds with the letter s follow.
9h01
